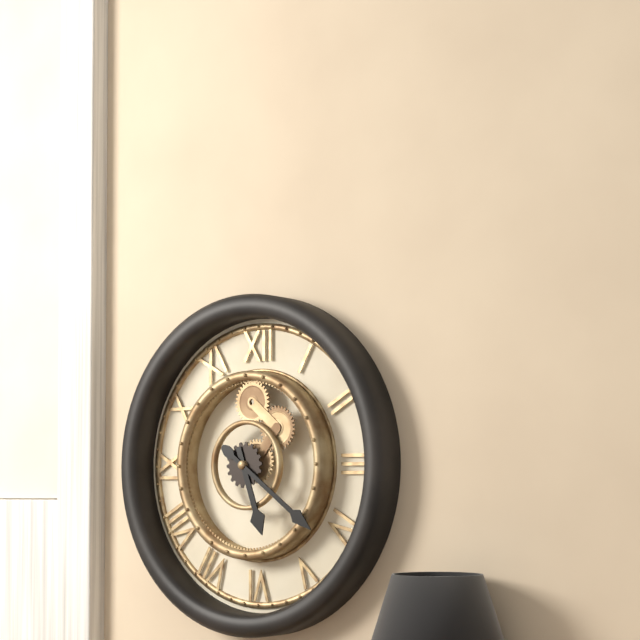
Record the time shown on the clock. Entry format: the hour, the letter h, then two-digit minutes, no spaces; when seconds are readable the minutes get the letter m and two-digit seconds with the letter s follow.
5h21
